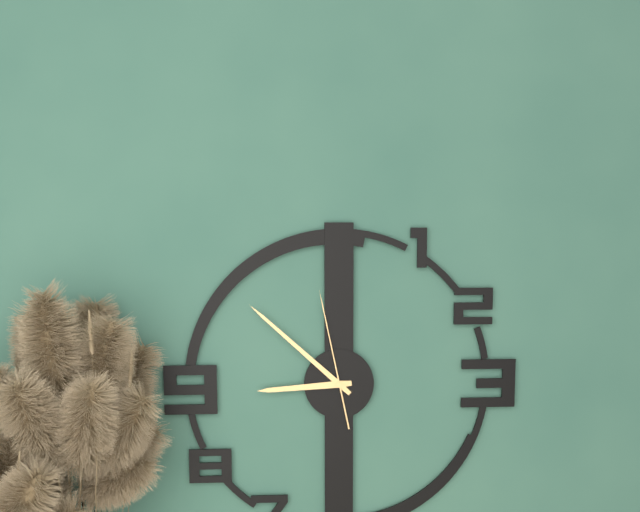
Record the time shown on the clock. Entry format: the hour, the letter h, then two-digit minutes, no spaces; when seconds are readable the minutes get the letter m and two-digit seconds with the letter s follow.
8h52m58s
